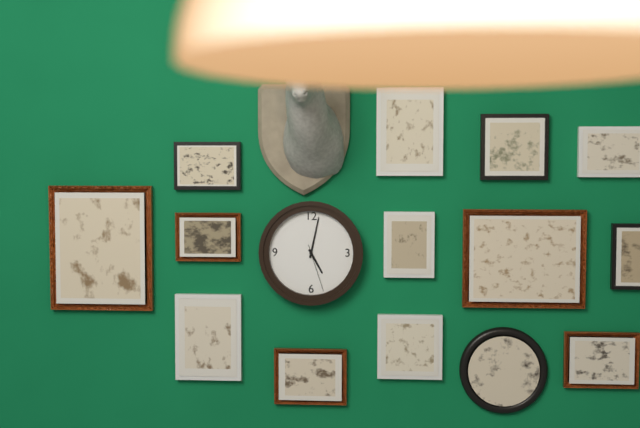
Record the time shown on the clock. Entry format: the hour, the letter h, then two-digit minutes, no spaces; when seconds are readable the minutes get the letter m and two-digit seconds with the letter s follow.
5h02m27s
